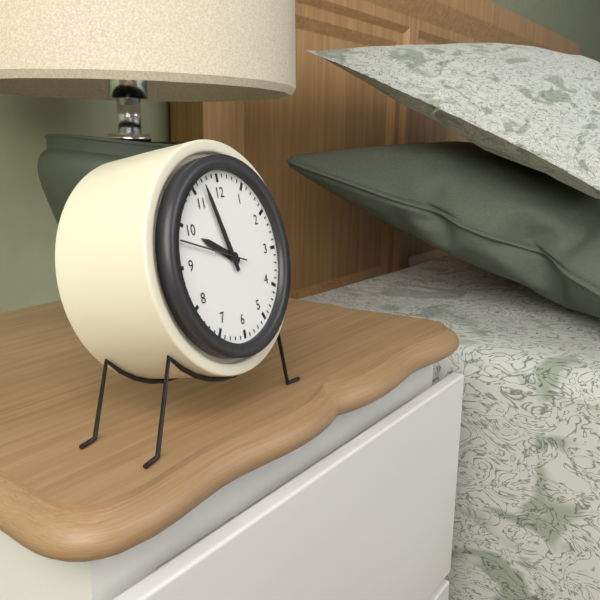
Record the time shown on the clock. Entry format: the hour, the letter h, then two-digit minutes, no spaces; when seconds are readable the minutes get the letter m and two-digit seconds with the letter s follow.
9h57m48s
